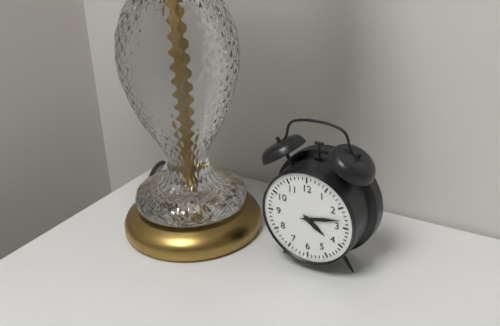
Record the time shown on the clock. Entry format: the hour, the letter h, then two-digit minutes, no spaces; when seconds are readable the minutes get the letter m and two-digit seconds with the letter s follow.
4h13
